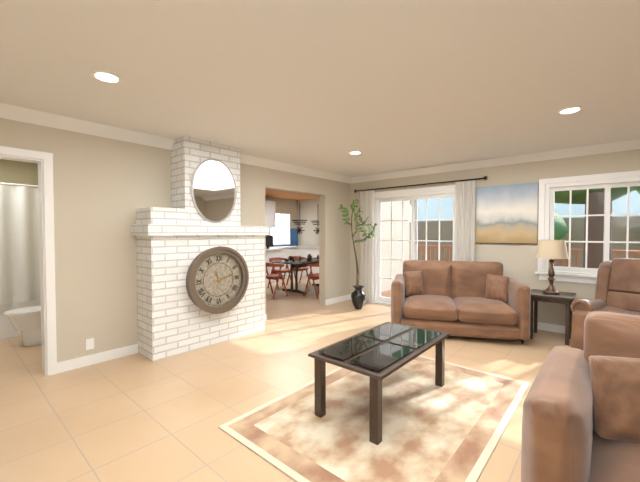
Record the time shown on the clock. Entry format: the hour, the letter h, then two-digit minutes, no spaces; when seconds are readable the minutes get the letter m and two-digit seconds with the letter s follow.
11h13
